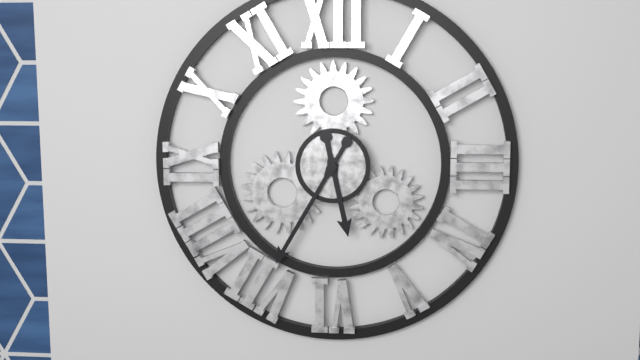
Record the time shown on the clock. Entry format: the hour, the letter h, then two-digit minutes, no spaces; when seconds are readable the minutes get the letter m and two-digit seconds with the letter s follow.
5h35
